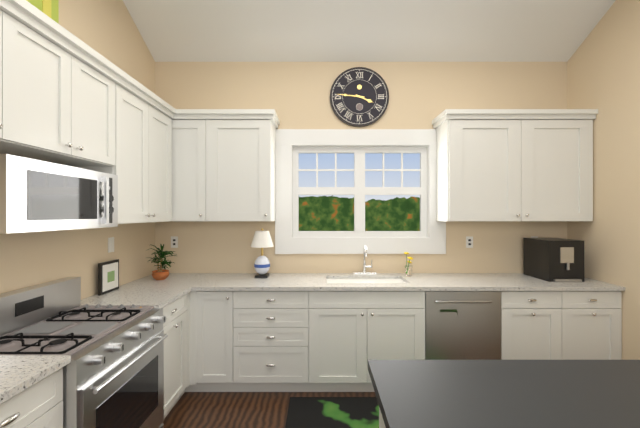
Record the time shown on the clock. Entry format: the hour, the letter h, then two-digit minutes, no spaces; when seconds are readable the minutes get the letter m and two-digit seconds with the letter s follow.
3h46
